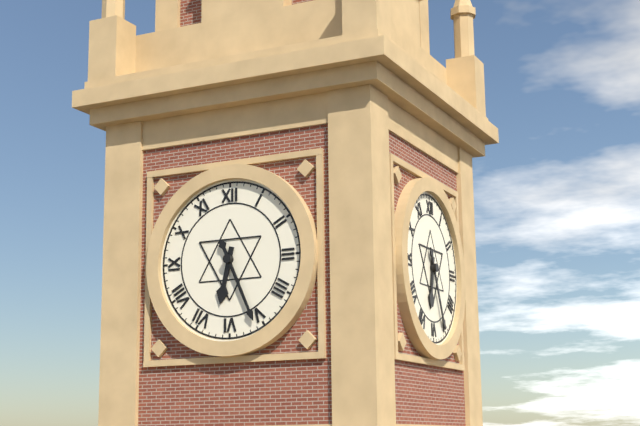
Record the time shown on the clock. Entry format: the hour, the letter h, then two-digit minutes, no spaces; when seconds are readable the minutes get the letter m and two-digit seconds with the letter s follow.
6h26
